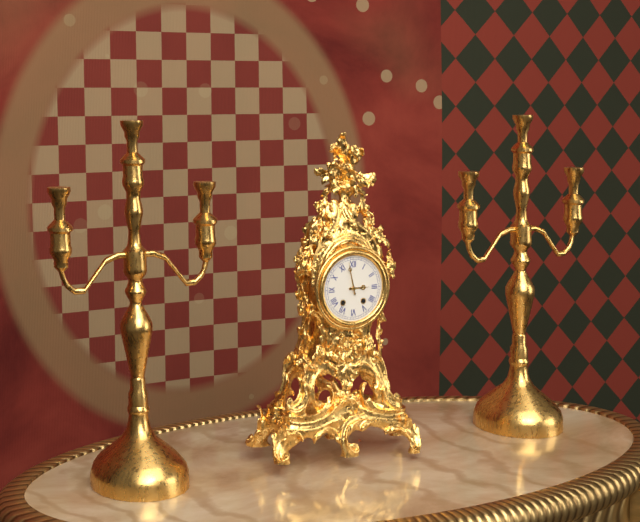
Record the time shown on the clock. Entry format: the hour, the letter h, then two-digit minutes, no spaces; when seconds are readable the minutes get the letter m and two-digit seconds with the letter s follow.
2h58
